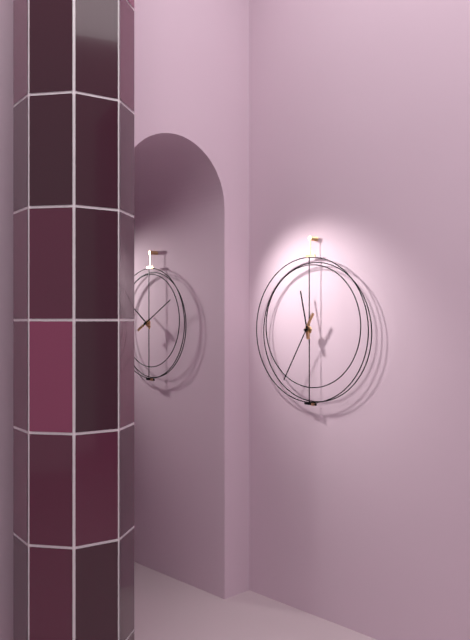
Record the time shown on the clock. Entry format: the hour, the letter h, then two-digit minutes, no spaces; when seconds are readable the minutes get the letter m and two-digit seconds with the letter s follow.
11h35
